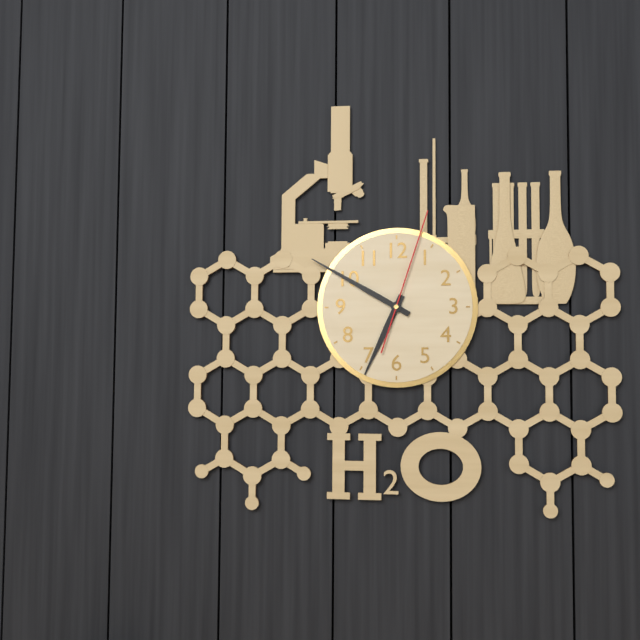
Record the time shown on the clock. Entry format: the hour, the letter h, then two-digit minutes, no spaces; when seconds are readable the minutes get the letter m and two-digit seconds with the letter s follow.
6h50m03s
